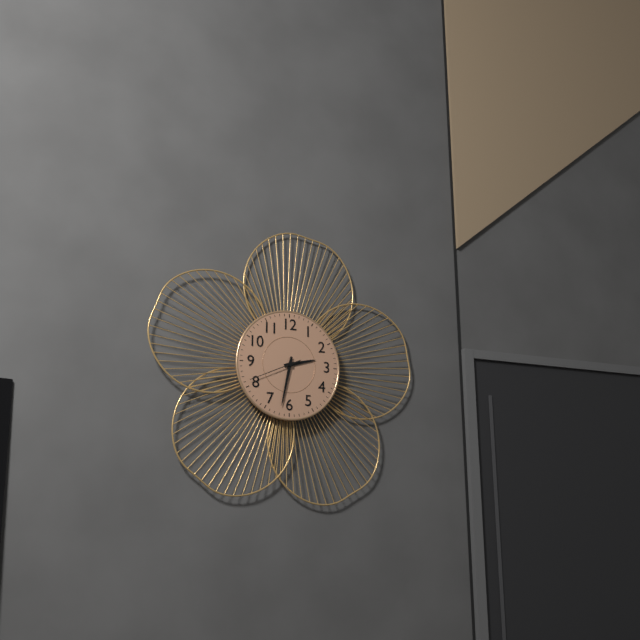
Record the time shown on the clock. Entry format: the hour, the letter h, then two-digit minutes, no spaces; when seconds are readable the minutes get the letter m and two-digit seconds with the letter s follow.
2h32m41s
